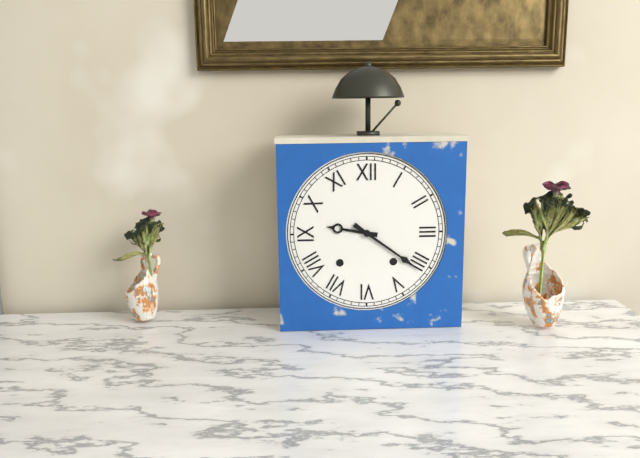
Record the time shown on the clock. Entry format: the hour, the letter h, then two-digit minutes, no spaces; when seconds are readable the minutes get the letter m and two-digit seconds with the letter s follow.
9h21
